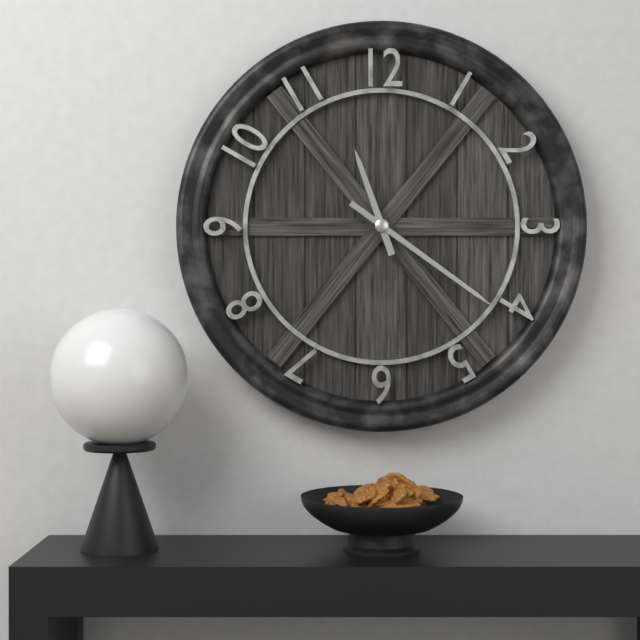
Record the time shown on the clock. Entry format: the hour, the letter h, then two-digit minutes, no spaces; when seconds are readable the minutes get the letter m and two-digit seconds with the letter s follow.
11h21
